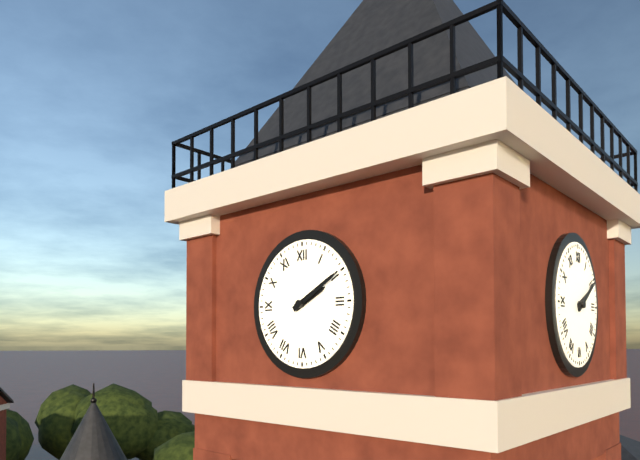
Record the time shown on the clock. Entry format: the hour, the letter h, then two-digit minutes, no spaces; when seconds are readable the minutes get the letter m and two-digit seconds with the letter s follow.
2h10
